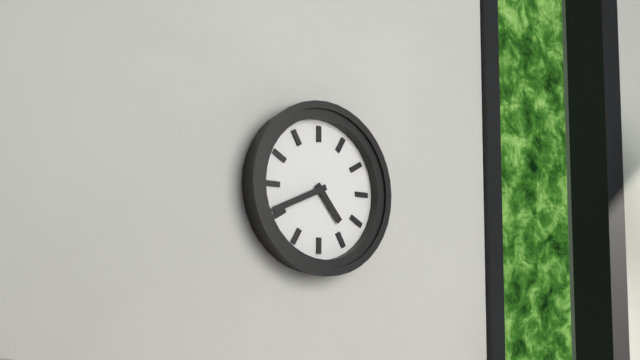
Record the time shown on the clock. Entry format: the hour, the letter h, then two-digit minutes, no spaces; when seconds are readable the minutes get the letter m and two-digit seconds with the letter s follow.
4h41
